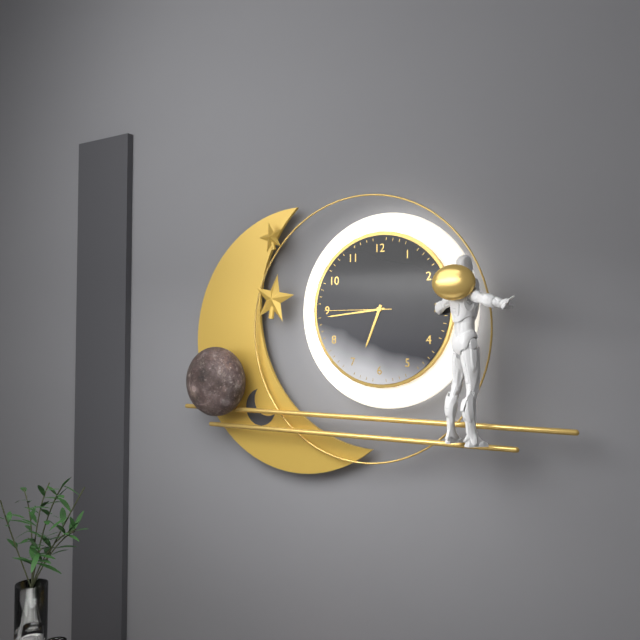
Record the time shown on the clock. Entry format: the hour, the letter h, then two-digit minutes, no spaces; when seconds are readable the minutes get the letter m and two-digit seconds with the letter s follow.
6h44m45s
